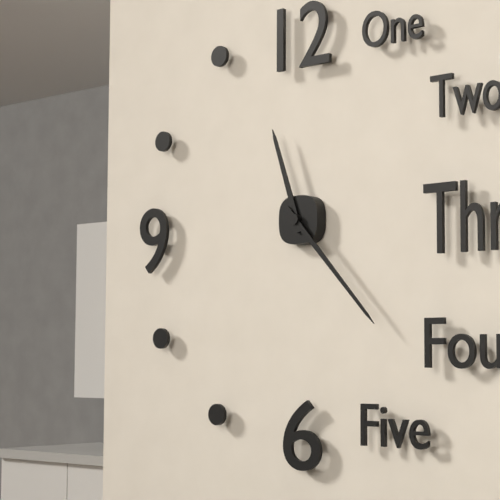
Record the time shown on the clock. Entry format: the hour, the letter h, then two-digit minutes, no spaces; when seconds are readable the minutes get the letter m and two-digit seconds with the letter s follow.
11h23
